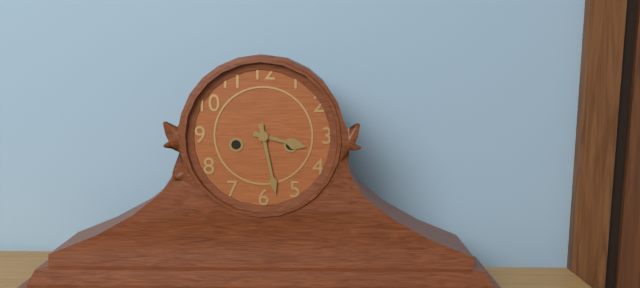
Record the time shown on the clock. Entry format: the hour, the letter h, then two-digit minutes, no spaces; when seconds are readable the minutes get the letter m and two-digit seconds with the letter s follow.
3h28
